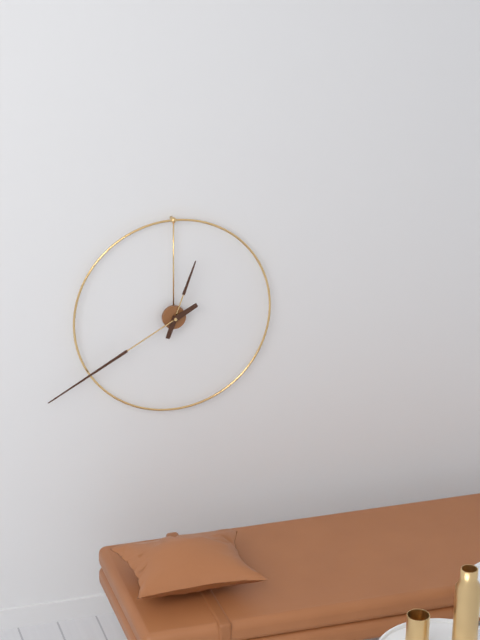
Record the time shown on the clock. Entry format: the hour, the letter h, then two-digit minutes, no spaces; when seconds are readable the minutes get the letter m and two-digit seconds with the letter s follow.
12h40
